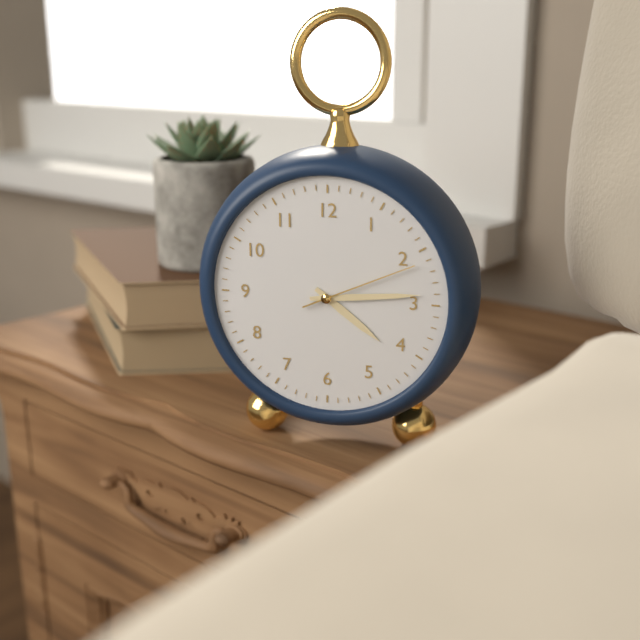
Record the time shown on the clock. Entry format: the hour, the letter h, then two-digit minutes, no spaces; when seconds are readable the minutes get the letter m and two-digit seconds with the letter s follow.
4h14m11s
